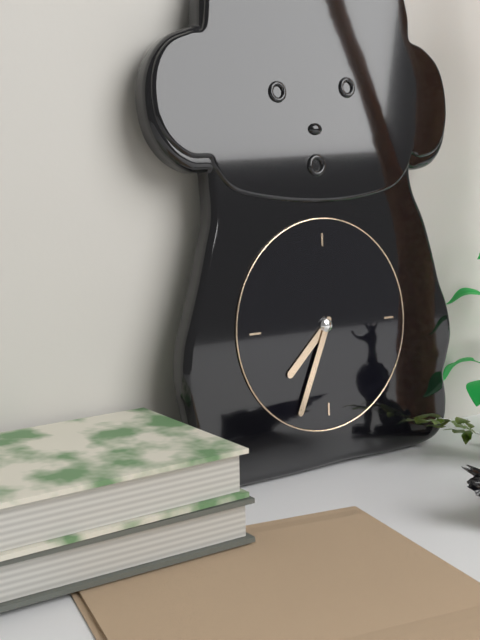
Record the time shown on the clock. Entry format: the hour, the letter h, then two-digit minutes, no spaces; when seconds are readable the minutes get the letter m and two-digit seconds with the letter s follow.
7h34
